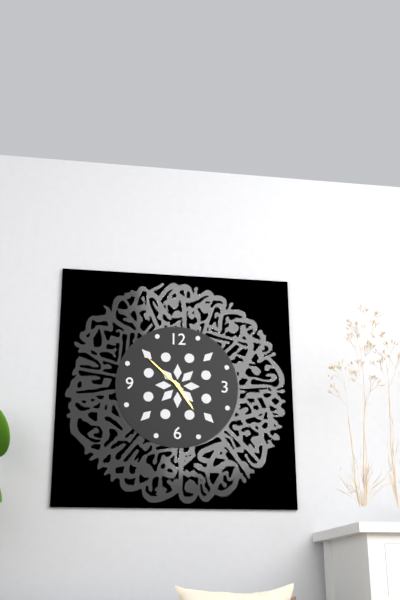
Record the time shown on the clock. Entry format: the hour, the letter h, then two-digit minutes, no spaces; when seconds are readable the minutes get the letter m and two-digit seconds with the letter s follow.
4h52
